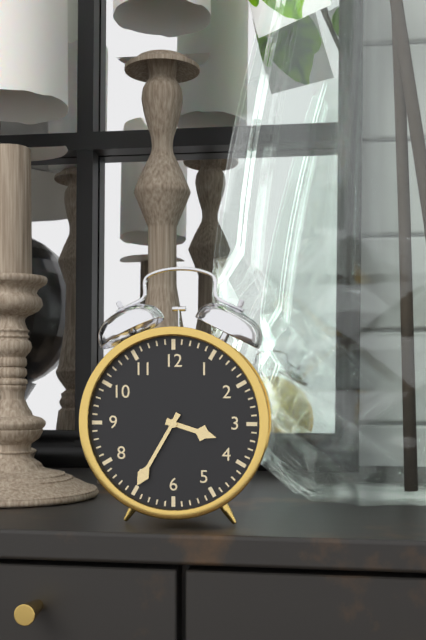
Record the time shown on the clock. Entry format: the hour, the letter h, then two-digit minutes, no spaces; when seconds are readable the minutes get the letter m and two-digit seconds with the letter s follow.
3h35
